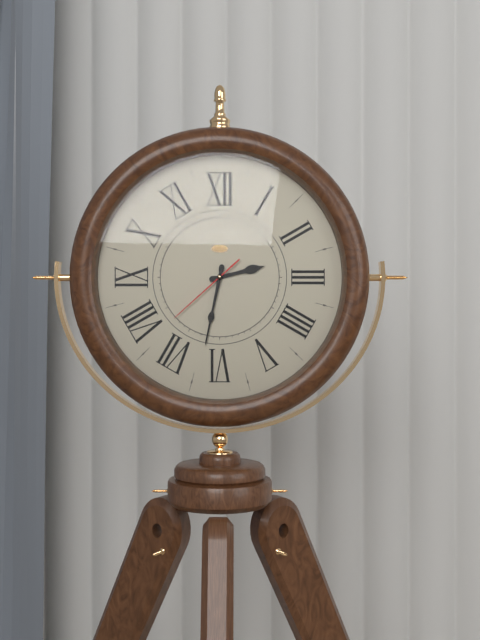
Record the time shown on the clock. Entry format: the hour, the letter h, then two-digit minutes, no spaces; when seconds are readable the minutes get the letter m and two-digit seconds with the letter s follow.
2h32m38s
